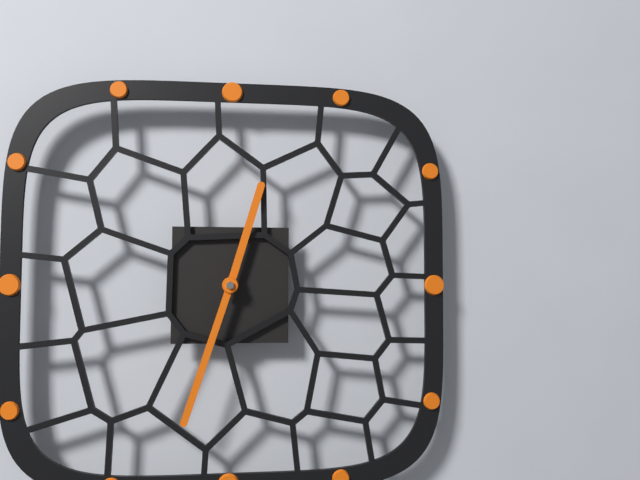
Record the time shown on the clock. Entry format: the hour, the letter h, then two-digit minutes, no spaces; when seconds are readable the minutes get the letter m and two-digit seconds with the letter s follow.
12h33
